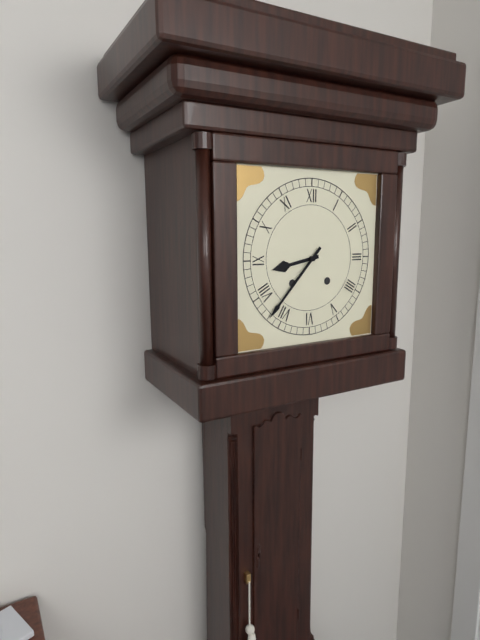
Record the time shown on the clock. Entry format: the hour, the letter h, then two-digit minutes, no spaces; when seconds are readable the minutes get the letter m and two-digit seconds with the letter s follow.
8h37
